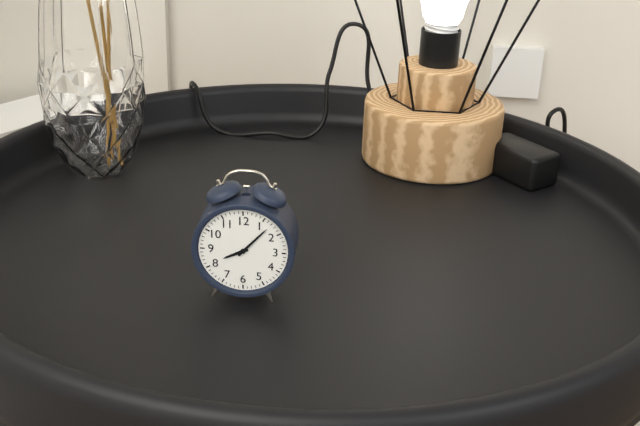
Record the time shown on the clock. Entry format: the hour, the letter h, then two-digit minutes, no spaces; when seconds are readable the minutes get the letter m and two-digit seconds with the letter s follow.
8h07
